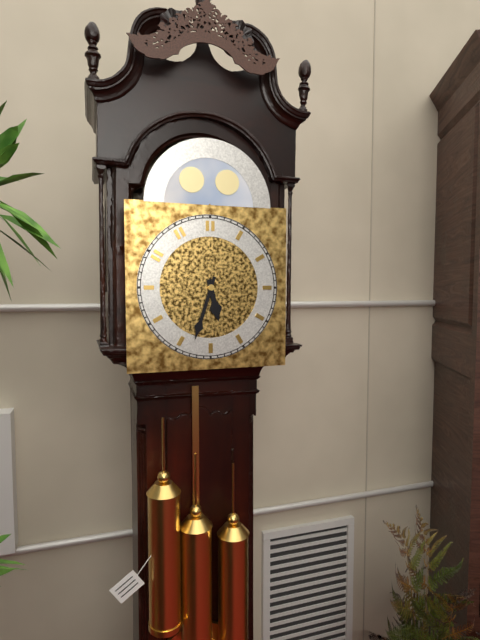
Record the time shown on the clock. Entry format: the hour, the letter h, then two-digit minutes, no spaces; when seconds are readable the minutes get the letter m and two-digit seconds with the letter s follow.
5h33
